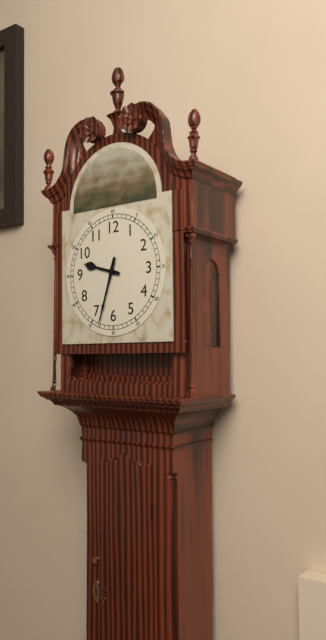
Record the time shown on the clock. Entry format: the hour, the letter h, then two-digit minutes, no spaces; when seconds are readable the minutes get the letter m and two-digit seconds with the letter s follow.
9h33
